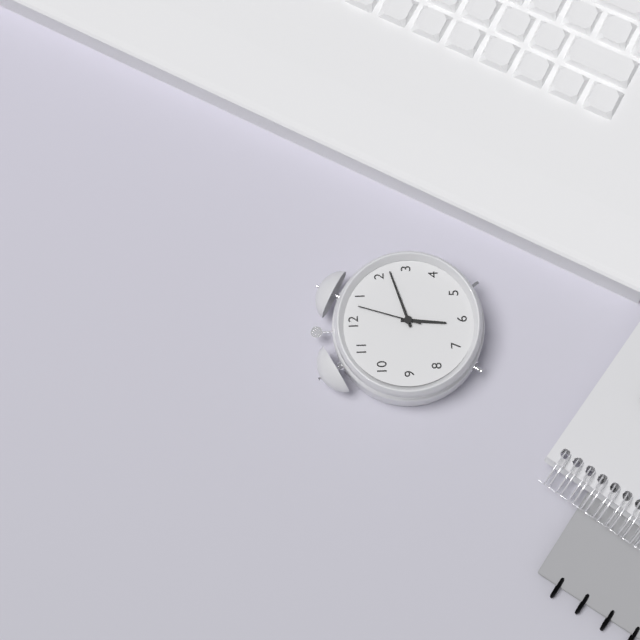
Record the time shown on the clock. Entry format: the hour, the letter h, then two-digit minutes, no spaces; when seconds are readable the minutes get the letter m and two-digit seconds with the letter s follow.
6h12m03s
